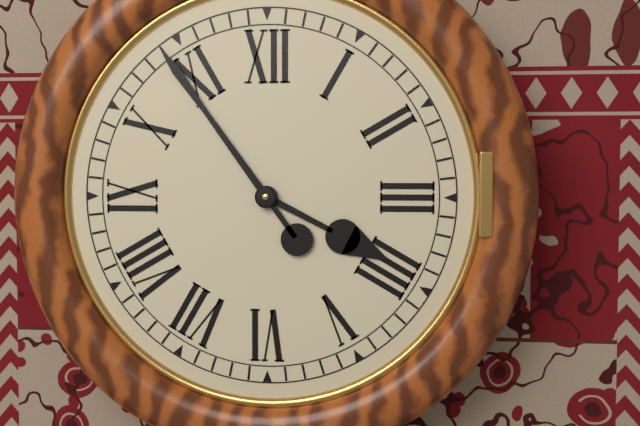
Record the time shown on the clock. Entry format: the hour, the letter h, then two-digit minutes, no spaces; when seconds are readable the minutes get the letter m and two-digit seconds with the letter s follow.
3h54
